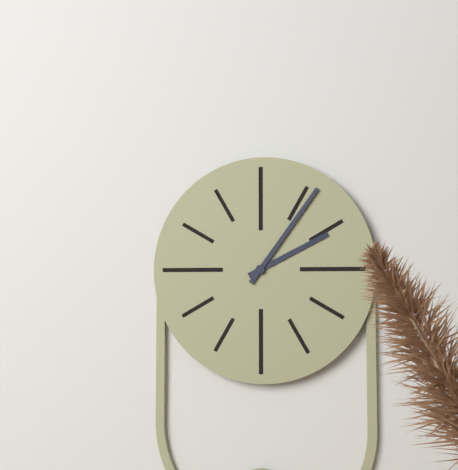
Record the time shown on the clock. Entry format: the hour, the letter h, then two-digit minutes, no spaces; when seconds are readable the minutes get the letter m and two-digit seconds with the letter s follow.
2h06
